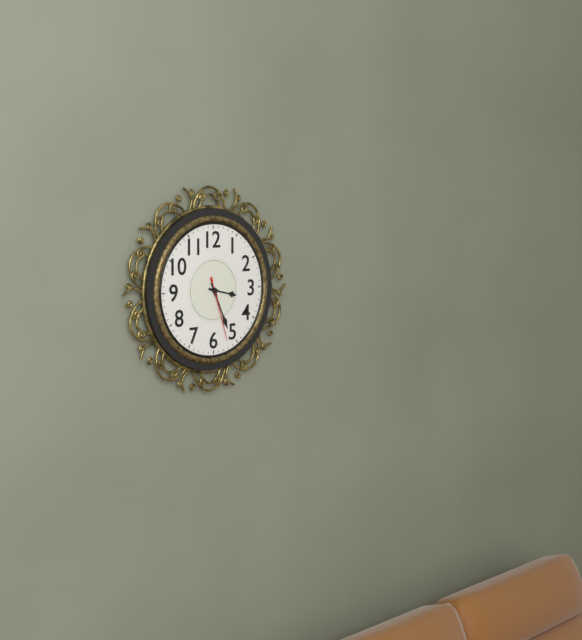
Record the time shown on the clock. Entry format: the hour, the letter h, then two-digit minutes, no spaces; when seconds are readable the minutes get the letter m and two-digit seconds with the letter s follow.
3h26m27s
